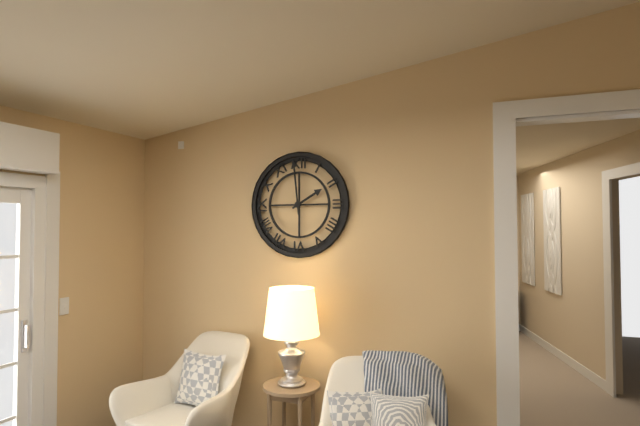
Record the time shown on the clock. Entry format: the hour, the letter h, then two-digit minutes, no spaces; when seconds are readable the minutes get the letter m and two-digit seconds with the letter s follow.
1h59
